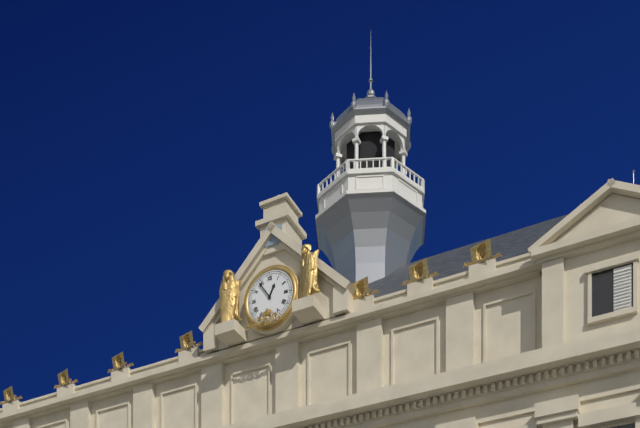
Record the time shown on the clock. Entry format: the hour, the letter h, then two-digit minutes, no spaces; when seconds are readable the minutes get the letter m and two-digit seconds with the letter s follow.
12h54
